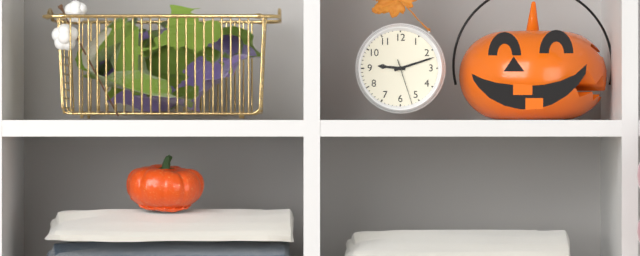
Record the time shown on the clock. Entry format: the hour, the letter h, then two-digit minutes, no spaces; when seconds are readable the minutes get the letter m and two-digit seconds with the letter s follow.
9h12
